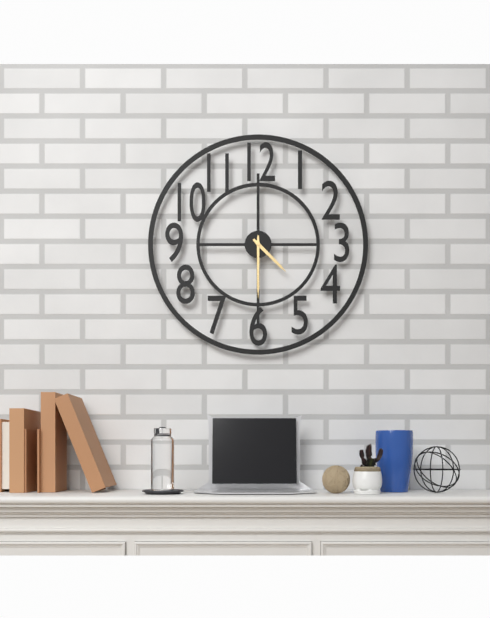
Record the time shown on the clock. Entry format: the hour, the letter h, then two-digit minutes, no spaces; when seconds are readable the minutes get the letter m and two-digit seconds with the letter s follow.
4h30
